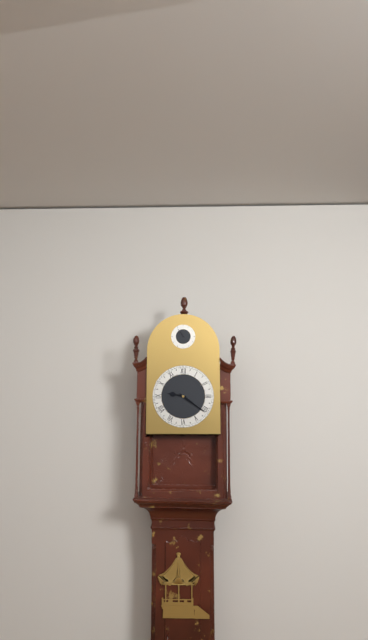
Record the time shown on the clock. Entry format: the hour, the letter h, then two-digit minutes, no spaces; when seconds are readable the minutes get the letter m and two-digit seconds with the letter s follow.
9h21
